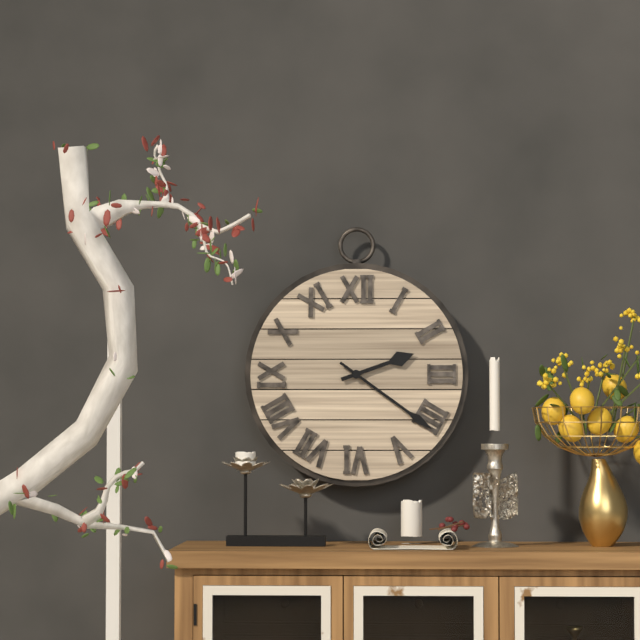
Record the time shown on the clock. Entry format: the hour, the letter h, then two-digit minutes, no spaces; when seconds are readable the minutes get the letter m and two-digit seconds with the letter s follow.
2h21
